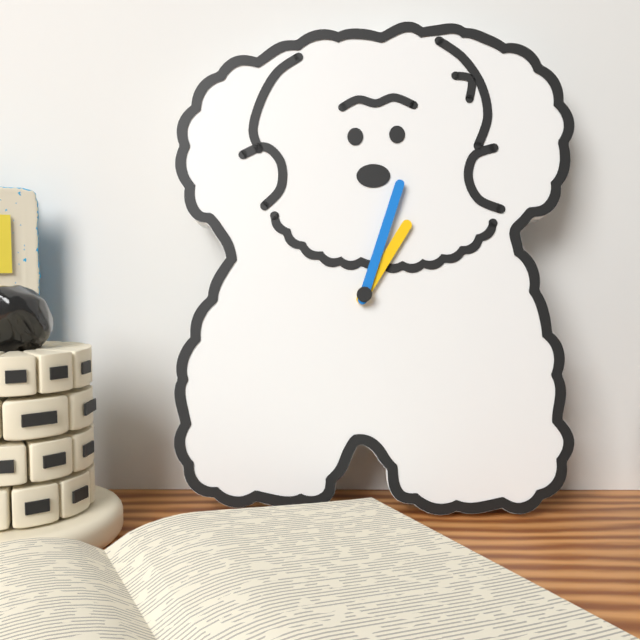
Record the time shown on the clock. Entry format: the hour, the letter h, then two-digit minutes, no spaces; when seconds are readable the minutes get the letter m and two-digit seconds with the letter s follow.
1h03
